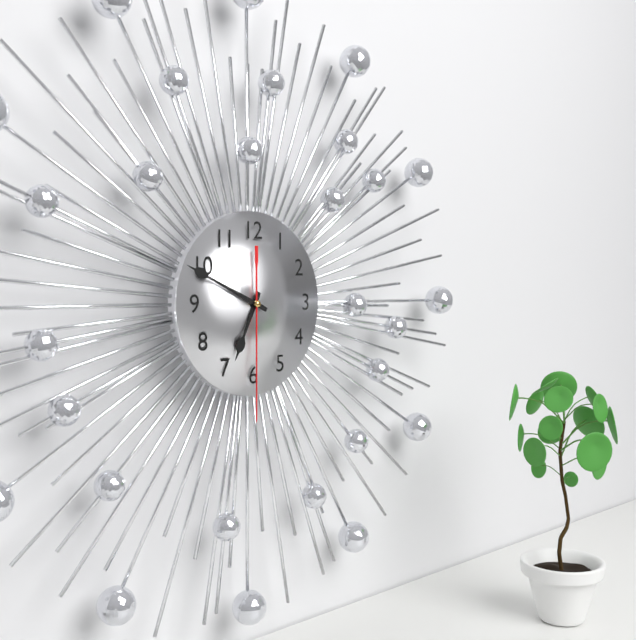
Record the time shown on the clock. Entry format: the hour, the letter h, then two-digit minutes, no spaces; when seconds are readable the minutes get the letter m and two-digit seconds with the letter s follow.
6h49m30s
